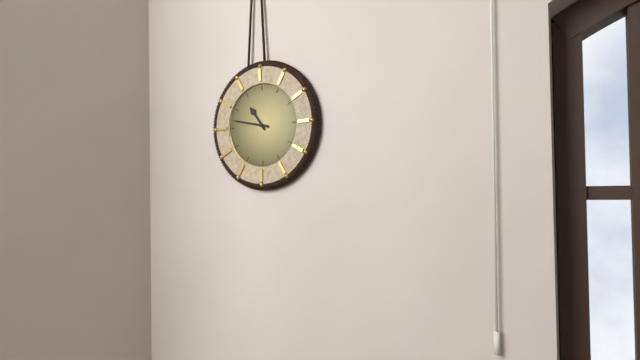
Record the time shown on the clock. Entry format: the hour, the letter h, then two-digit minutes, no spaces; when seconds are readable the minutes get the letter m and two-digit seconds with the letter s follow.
10h47
